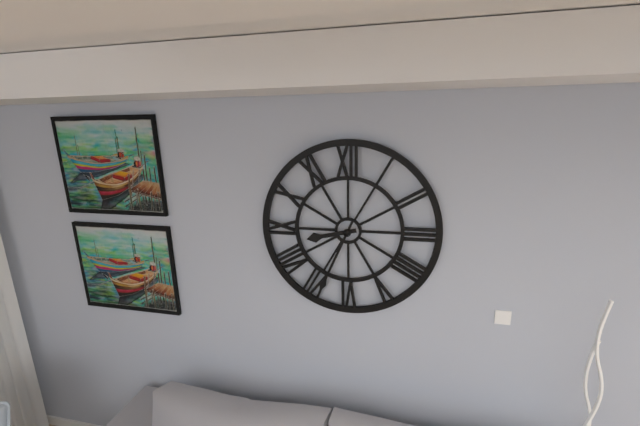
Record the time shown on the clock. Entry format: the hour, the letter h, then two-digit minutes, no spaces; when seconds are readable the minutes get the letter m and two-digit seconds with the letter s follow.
8h34
